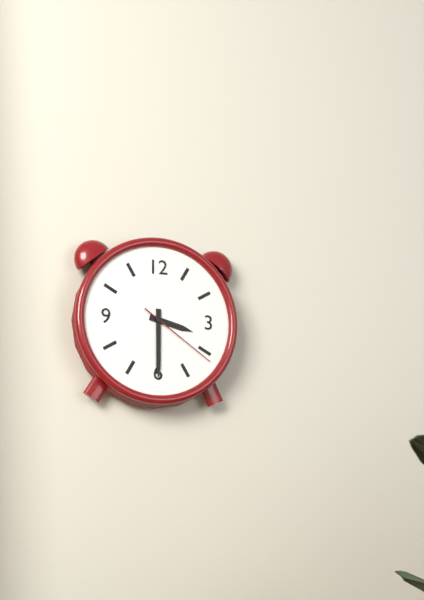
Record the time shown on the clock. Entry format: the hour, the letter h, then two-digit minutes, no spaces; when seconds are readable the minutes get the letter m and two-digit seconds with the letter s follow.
3h30m21s
